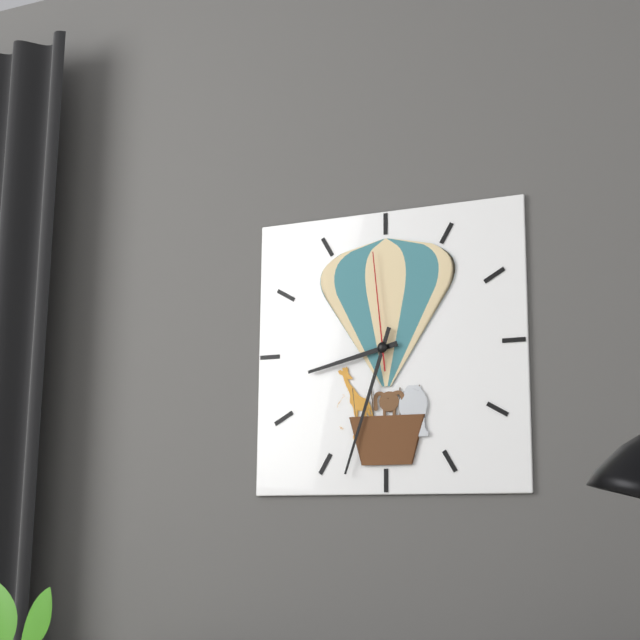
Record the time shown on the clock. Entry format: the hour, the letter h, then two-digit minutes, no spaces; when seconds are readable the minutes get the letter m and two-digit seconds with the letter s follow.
8h33m59s
